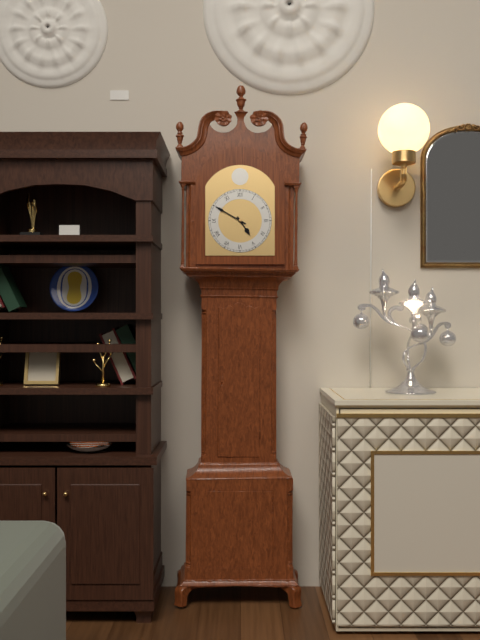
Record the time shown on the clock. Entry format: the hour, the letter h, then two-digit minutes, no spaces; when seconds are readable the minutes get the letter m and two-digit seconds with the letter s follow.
4h50
